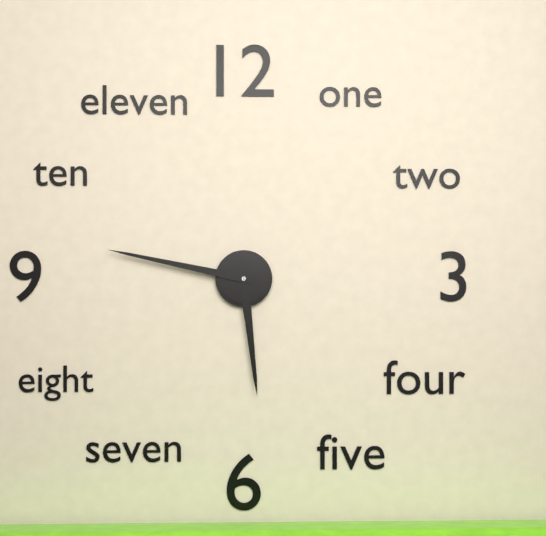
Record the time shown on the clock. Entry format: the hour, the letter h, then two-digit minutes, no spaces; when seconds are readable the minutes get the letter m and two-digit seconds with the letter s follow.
5h47
